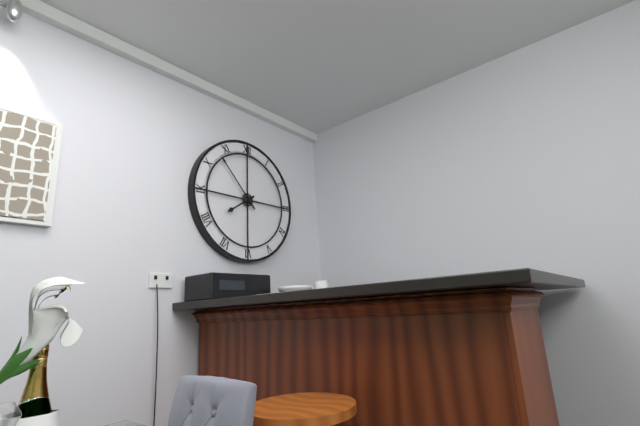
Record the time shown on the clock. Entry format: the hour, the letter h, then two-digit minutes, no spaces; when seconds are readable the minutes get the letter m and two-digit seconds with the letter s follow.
7h53
